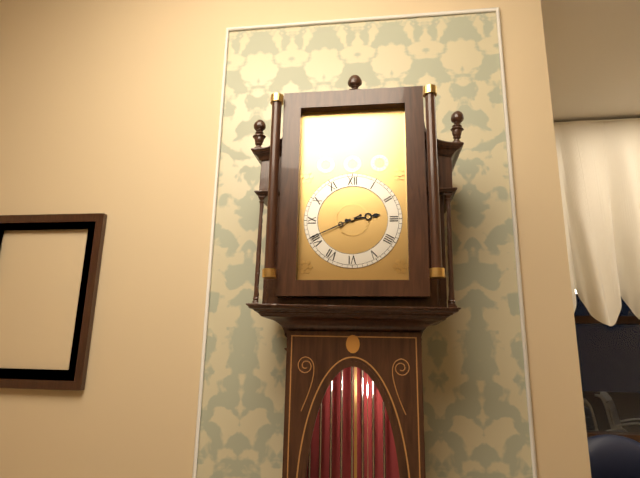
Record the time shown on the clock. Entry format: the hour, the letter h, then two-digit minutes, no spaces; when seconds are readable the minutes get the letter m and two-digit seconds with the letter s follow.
2h41
